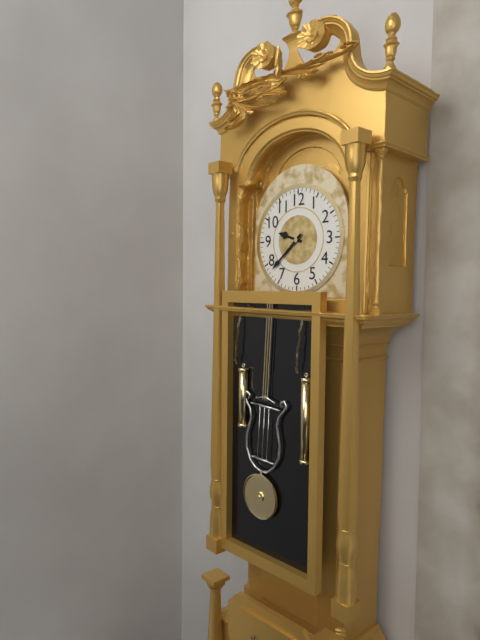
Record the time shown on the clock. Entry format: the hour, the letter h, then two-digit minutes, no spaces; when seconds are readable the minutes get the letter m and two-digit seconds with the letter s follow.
9h38
